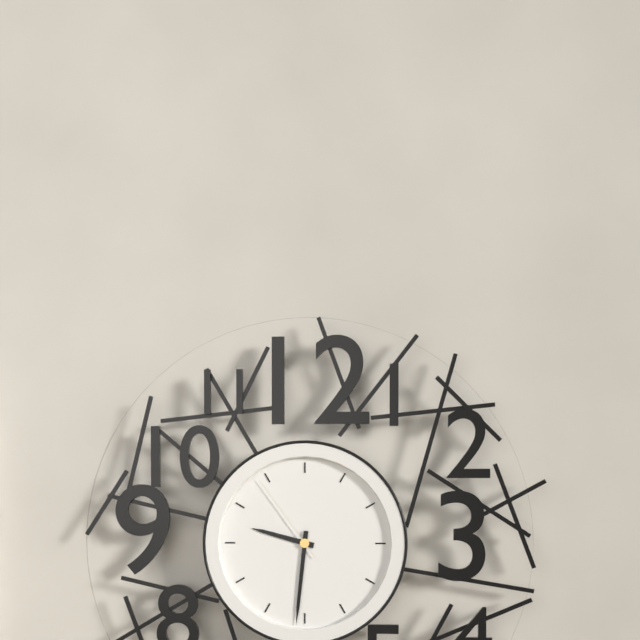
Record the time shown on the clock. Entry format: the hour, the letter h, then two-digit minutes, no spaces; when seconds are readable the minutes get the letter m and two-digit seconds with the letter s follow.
9h31m54s
